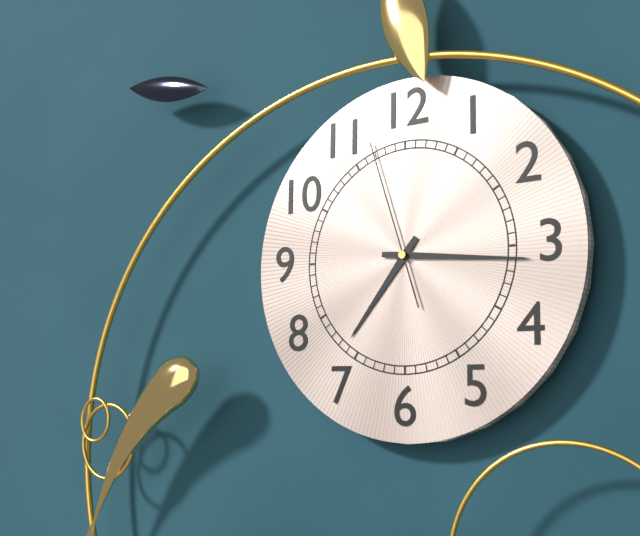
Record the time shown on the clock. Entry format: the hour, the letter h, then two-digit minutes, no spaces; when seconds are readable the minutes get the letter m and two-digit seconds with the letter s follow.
7h16m57s
